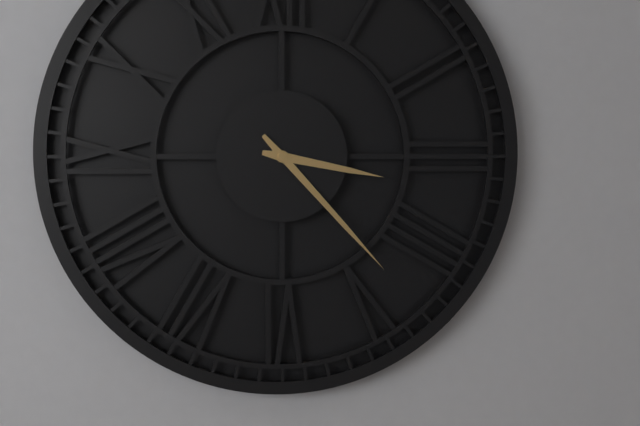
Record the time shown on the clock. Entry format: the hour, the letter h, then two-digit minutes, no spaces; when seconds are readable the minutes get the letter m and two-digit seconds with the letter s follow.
3h23
